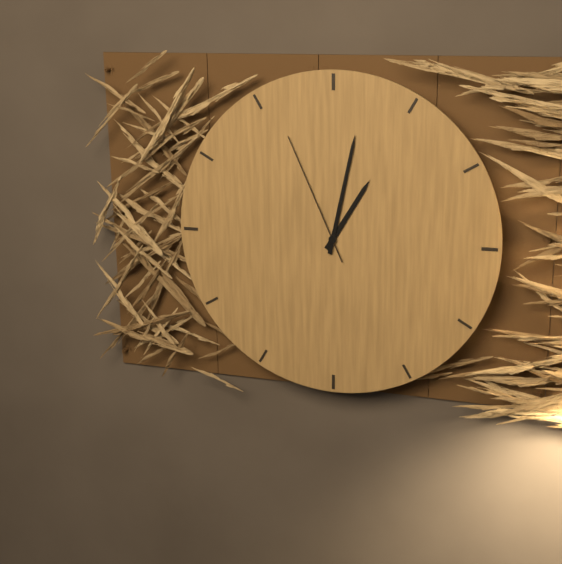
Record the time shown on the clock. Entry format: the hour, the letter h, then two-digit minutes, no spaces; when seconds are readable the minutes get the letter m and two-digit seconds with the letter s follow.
1h02m56s
